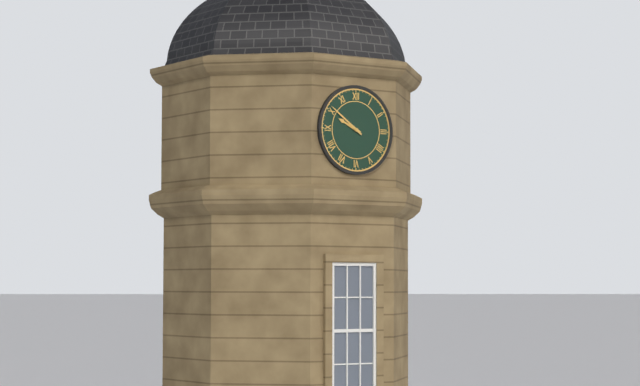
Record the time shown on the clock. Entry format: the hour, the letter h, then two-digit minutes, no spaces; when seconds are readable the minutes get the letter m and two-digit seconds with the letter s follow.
9h51
